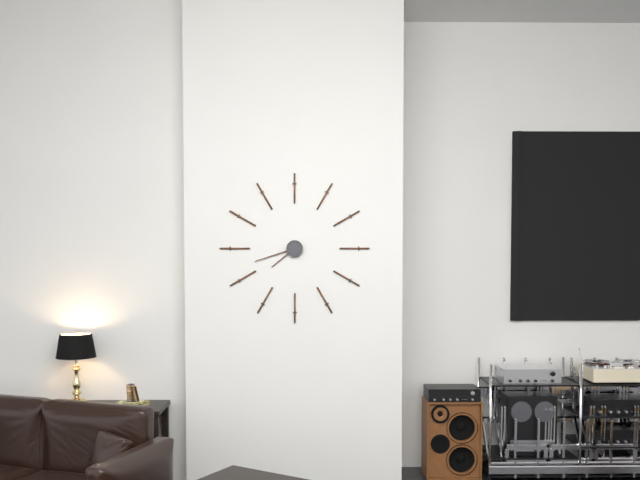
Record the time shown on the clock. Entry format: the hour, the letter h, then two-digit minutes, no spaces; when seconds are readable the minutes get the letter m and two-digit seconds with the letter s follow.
7h42
